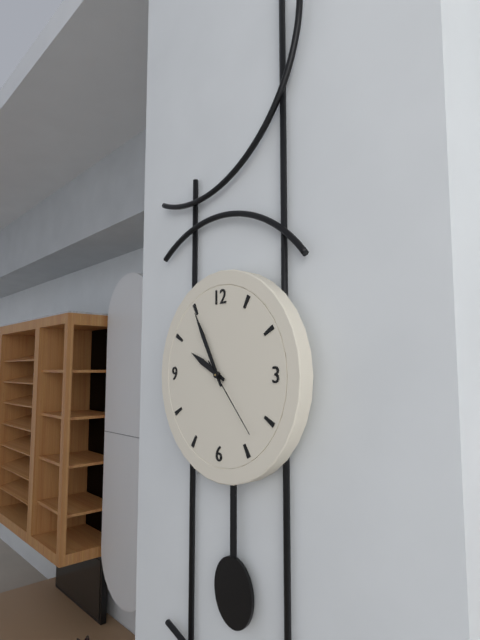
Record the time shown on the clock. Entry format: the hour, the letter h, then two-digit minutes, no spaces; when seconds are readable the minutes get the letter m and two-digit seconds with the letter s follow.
9h55m23s
